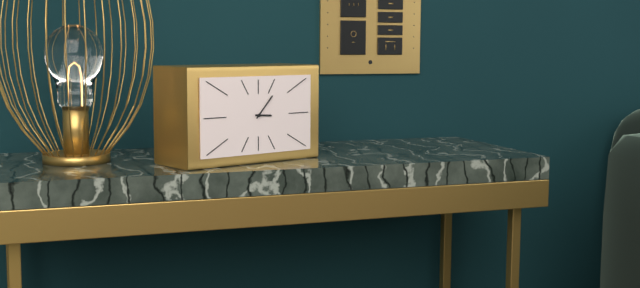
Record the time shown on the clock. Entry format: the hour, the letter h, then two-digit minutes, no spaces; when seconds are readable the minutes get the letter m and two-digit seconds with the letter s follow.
3h07
